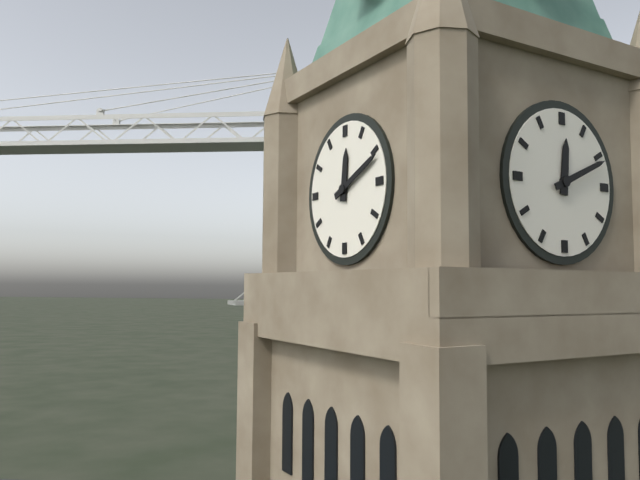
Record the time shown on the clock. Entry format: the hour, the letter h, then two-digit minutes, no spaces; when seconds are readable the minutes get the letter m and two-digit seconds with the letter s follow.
12h11
